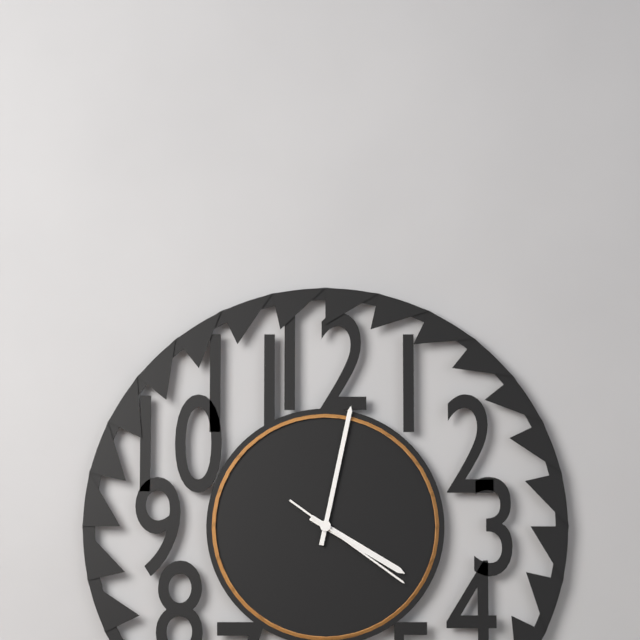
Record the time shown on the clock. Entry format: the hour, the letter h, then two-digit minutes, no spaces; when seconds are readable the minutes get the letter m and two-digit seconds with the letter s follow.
4h02m21s
